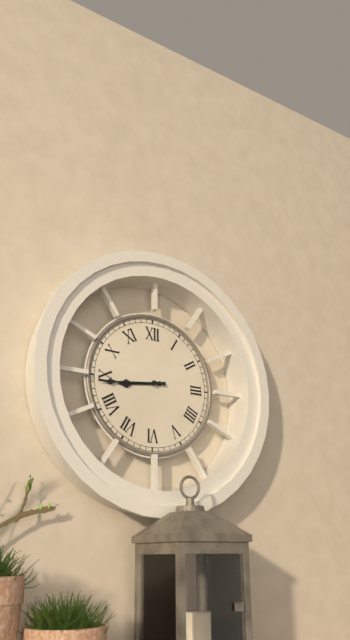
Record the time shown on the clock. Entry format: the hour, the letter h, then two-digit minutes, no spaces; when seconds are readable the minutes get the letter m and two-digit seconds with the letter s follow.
8h44
